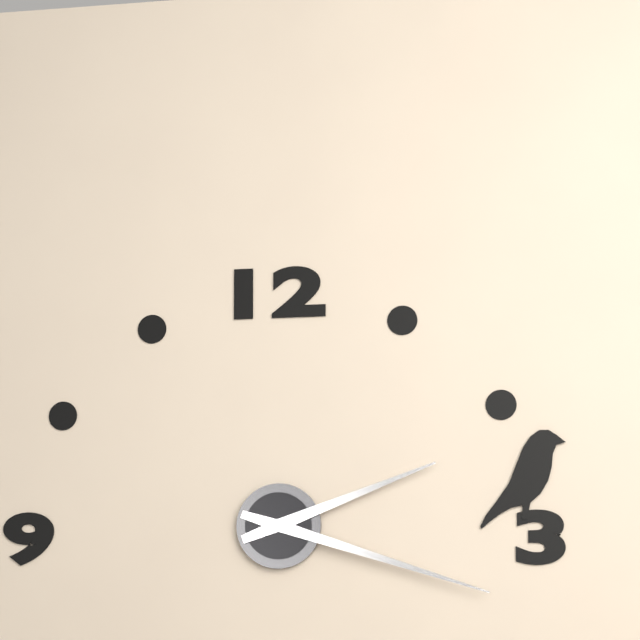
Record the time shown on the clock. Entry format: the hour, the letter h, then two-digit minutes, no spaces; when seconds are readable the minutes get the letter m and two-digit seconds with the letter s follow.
2h18
